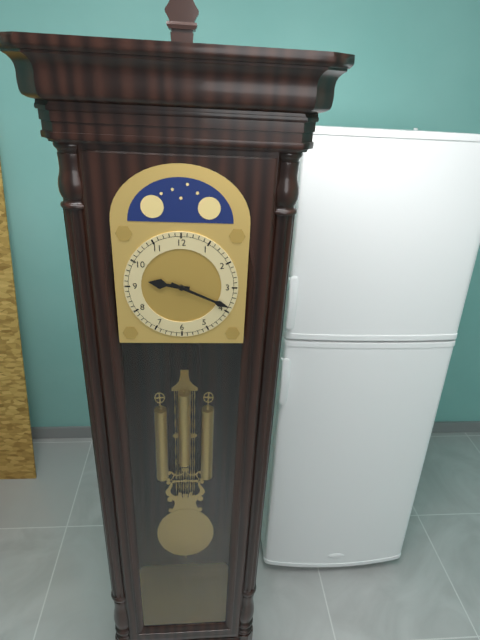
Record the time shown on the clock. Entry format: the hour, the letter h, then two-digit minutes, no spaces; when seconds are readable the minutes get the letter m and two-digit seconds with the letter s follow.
9h19
